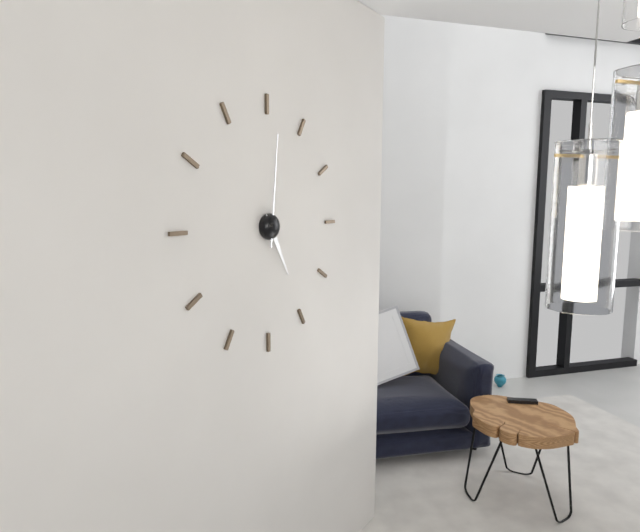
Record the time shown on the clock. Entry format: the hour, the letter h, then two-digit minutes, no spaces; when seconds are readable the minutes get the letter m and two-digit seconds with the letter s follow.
5h01
